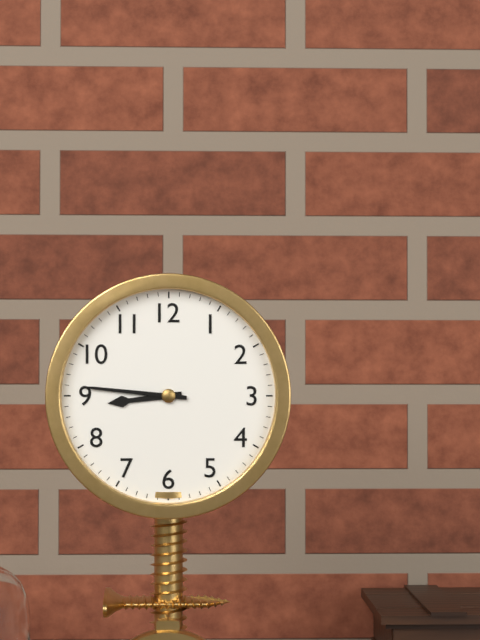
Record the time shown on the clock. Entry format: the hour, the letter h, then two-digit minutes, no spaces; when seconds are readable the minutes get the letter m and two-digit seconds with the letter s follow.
8h46
